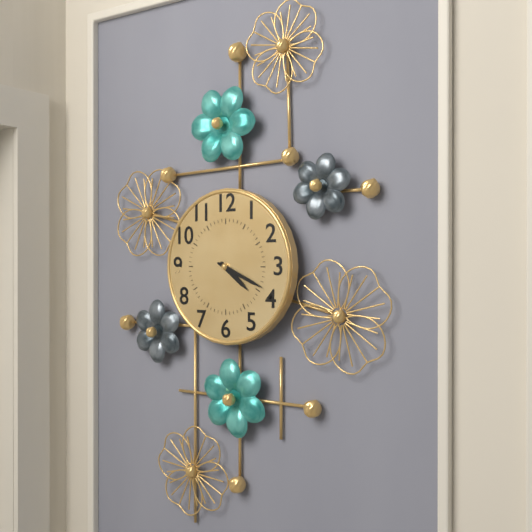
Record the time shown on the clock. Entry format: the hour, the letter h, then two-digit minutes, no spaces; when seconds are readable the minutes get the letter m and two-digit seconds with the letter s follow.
4h19
